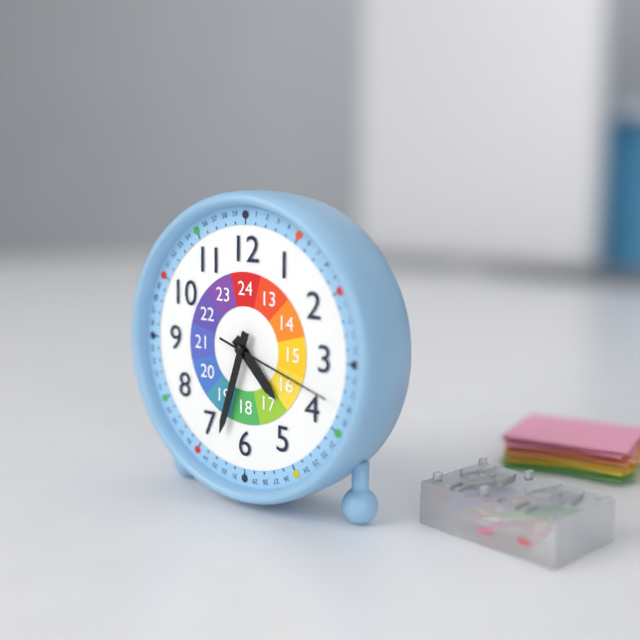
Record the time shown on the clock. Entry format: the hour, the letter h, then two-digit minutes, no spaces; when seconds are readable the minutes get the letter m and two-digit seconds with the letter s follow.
4h33m18s
